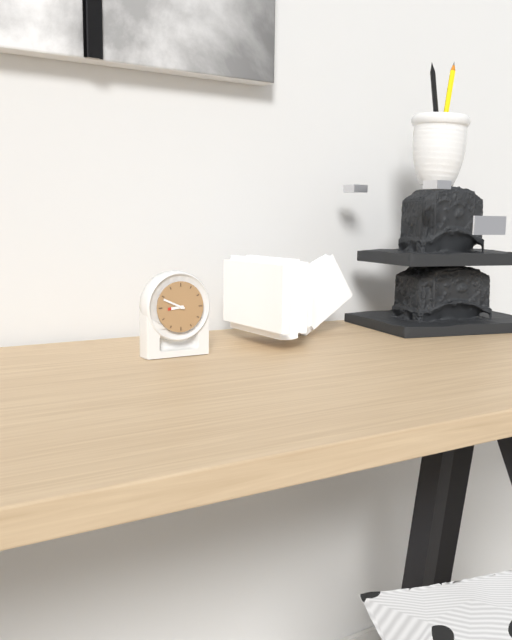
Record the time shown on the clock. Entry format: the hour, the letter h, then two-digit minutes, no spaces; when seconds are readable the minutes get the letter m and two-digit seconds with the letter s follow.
8h49
